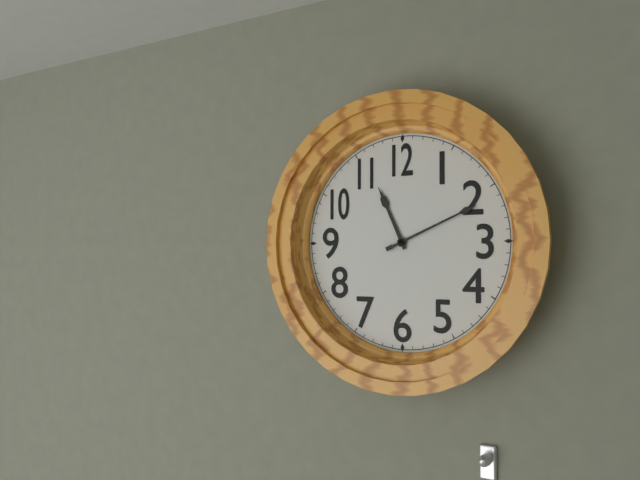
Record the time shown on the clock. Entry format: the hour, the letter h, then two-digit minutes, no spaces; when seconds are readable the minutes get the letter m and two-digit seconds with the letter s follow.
11h11
